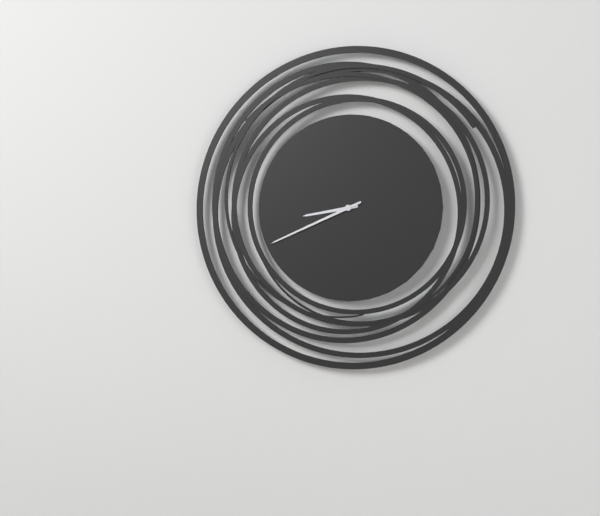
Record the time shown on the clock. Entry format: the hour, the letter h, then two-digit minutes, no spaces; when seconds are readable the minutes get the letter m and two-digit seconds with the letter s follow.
8h41
